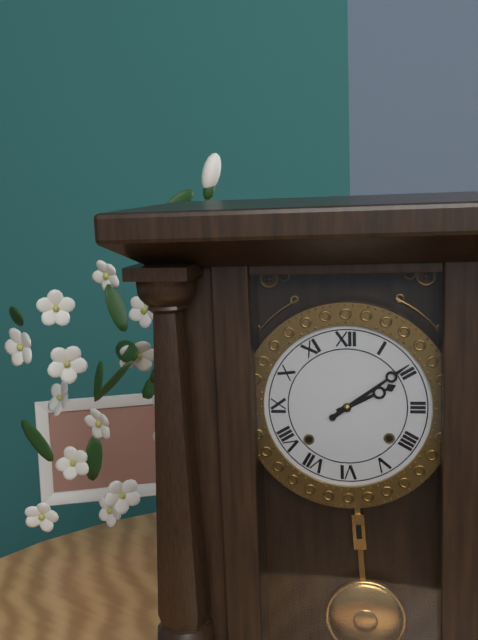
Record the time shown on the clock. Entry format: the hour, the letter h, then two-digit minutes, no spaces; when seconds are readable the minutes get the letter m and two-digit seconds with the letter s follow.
2h09
